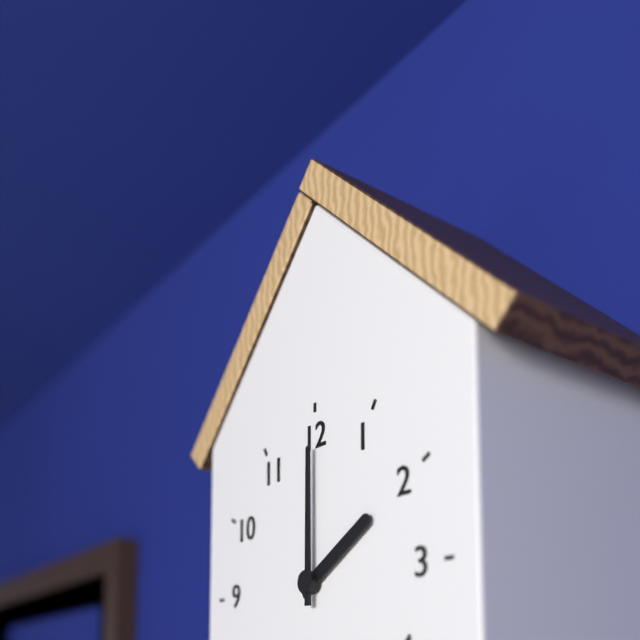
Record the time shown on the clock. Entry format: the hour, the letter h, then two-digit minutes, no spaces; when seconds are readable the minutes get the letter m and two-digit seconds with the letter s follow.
2h00
